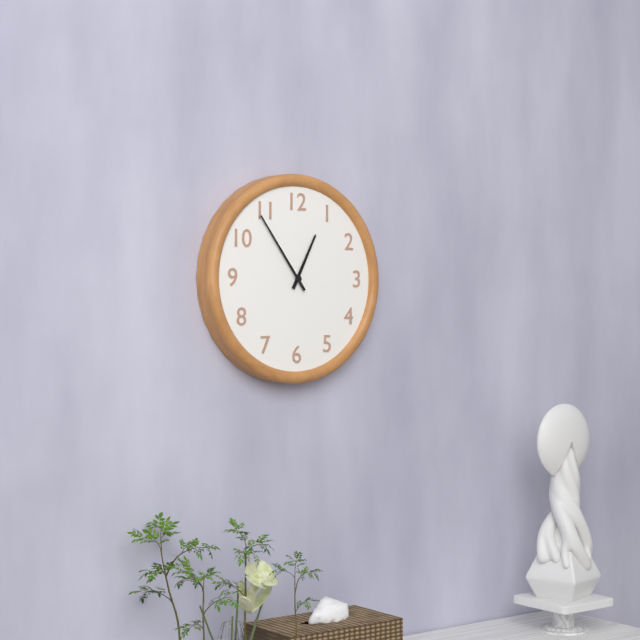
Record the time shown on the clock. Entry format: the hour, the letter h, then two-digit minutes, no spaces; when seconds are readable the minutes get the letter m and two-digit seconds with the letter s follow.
12h54
